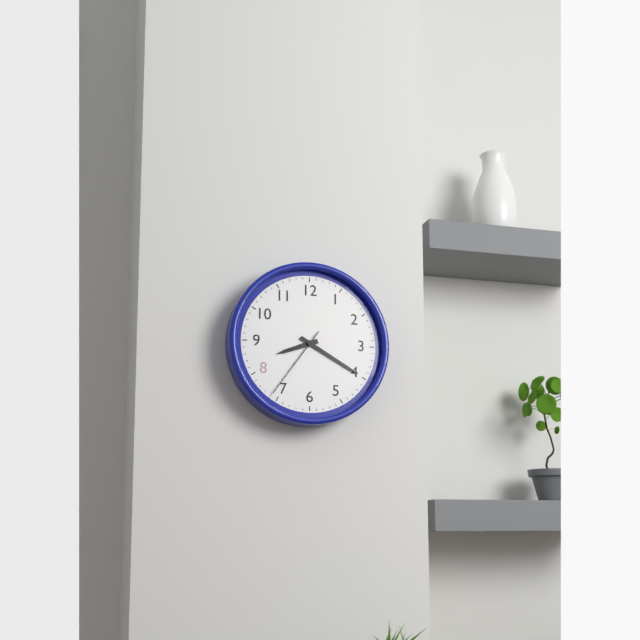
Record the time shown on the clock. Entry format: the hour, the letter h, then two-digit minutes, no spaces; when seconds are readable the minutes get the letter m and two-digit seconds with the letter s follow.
8h20m36s
